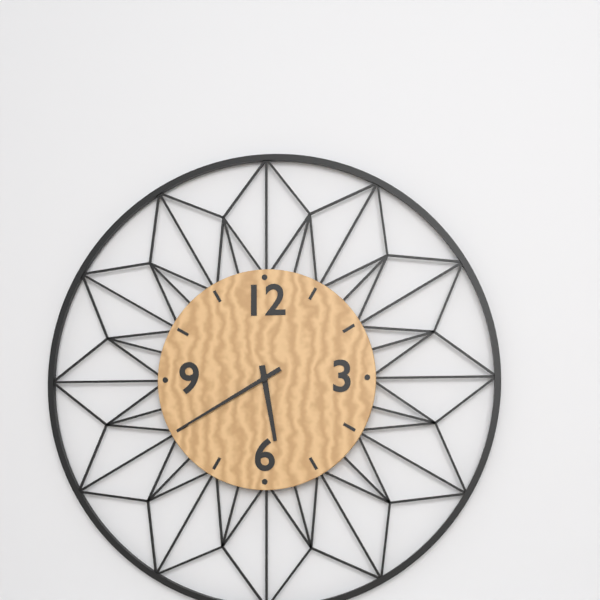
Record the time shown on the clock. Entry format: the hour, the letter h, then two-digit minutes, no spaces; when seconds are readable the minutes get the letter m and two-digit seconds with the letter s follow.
5h40
